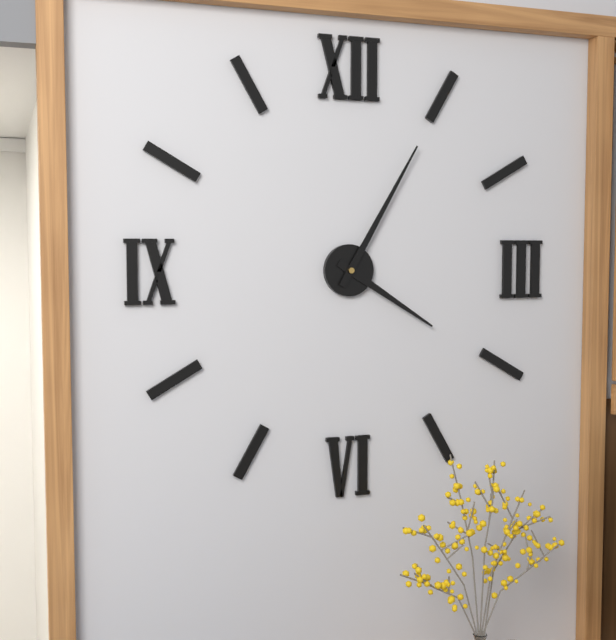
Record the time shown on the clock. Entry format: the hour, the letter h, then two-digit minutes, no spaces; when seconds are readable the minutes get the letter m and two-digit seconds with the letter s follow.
4h05
